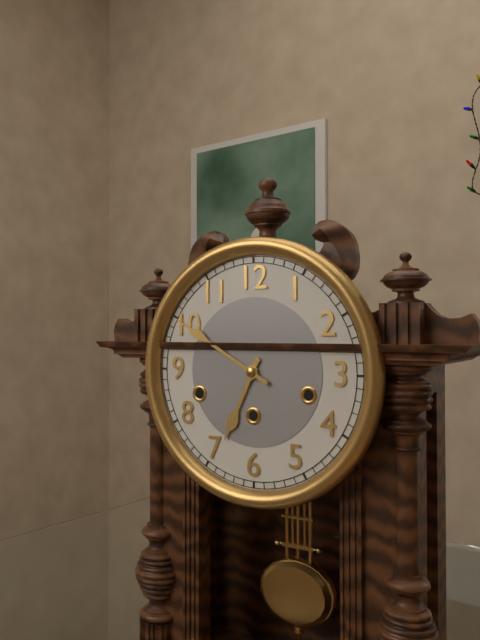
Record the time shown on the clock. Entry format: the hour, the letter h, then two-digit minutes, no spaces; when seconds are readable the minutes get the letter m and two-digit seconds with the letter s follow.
6h50
